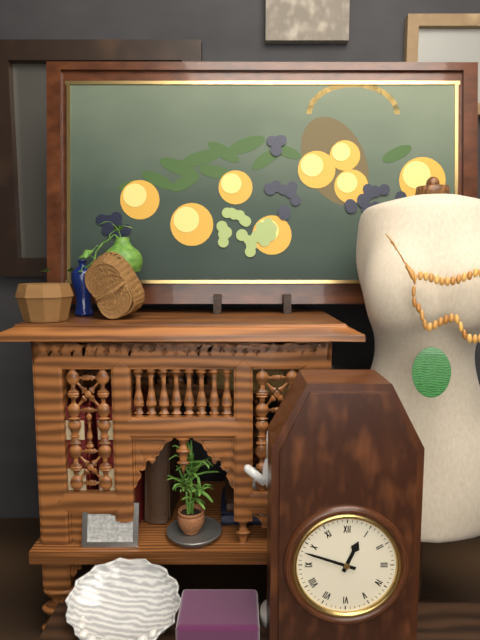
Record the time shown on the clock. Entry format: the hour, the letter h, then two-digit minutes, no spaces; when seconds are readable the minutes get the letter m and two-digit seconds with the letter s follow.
12h48
